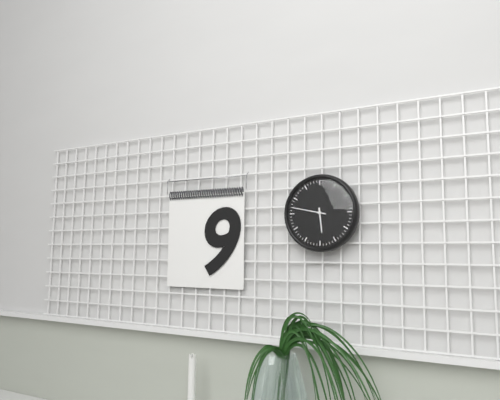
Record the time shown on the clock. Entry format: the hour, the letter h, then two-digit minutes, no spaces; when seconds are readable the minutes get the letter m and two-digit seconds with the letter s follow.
5h47
